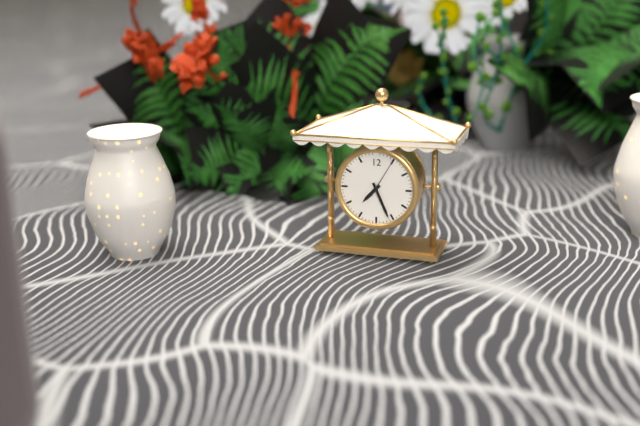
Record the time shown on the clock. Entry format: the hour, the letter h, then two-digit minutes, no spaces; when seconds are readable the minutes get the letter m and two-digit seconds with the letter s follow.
7h26
